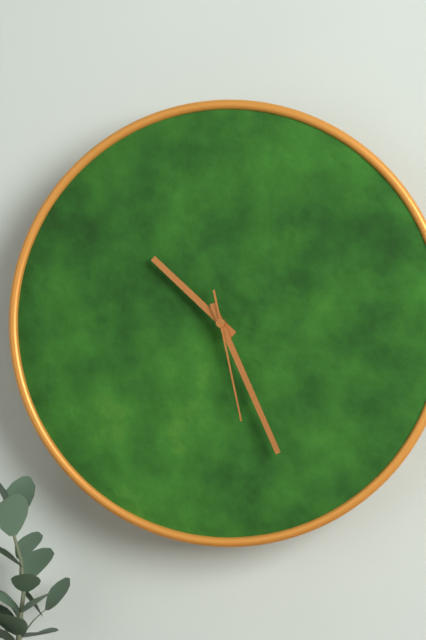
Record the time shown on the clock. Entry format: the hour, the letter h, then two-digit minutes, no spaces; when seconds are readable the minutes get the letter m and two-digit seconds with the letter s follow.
10h26m28s
